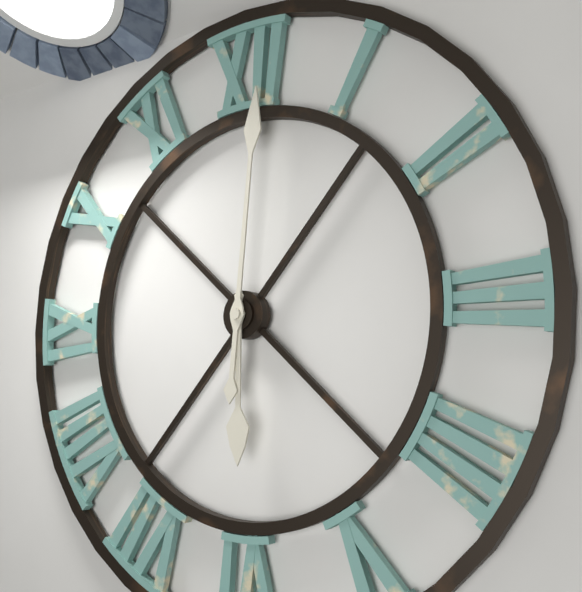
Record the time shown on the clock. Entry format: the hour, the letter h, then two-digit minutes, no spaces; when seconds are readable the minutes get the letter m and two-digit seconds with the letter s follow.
6h01
